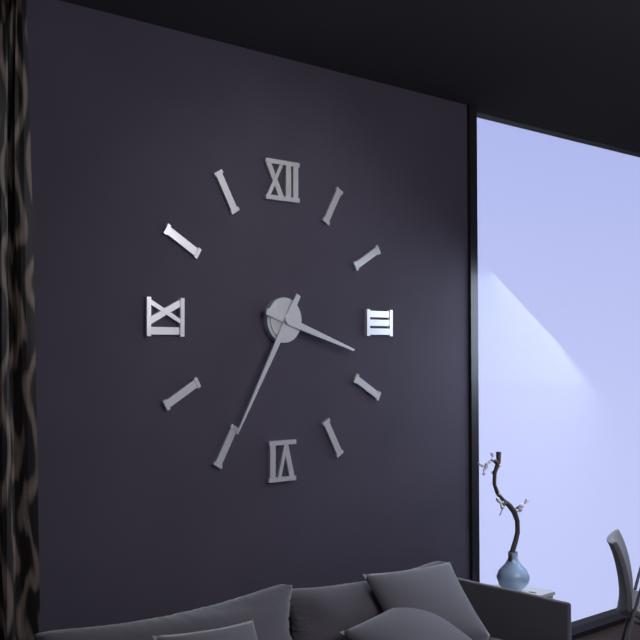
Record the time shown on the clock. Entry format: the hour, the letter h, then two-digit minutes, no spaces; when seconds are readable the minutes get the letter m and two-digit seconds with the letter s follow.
3h35
